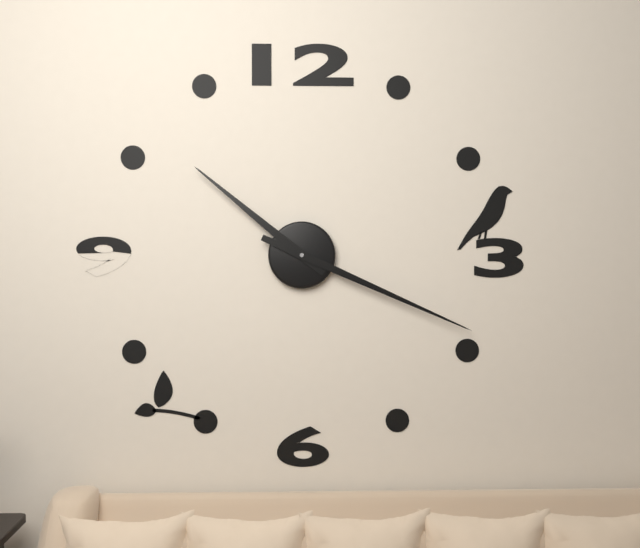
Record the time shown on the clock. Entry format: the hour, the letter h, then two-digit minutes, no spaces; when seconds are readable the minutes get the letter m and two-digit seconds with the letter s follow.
10h19
